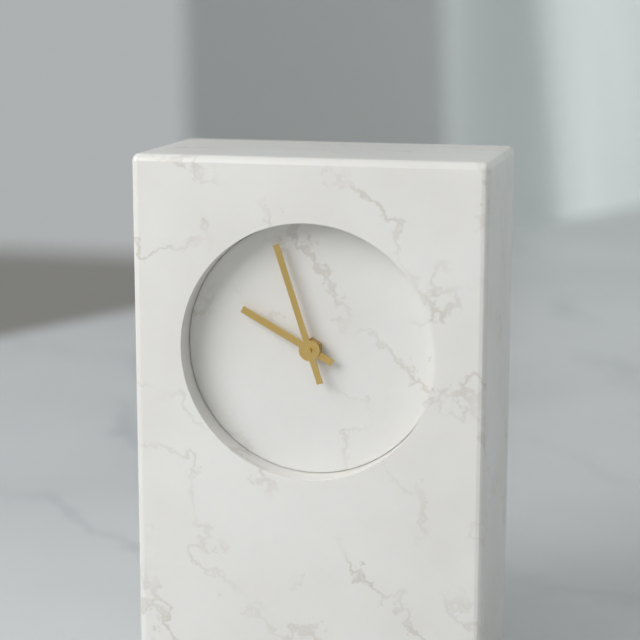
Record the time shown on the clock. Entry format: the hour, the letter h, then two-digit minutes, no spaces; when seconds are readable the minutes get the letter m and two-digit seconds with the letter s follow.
9h57
